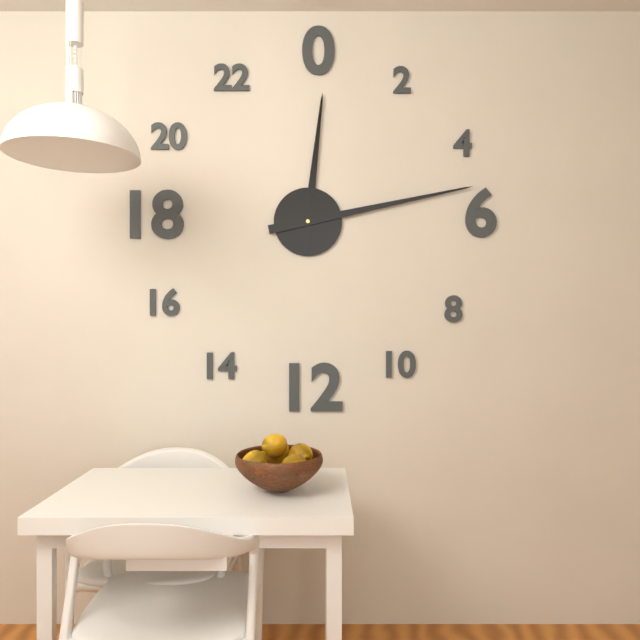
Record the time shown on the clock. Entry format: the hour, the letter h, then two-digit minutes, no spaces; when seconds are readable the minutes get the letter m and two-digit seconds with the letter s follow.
12h13
